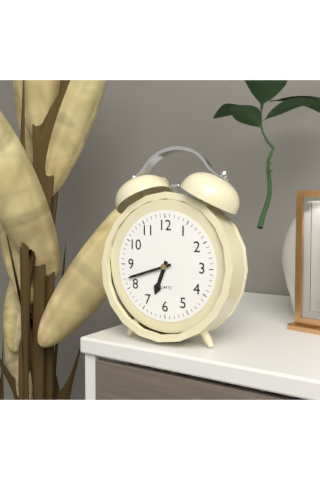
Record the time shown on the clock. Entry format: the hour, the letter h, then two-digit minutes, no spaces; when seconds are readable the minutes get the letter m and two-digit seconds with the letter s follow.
6h42
